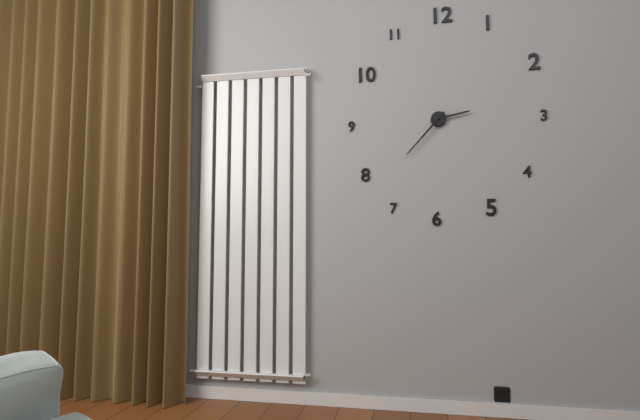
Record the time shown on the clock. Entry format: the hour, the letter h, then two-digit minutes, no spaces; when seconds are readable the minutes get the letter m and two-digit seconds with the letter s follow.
2h37
